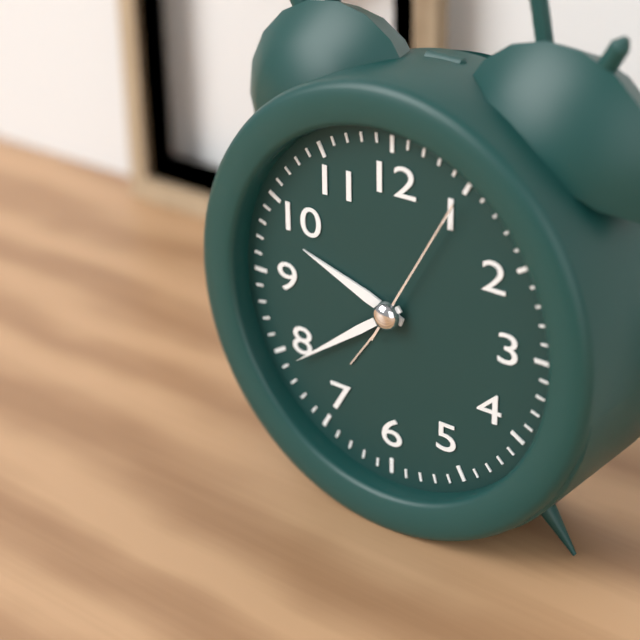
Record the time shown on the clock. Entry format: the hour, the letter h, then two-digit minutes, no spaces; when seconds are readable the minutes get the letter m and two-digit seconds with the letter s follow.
9h39m05s
